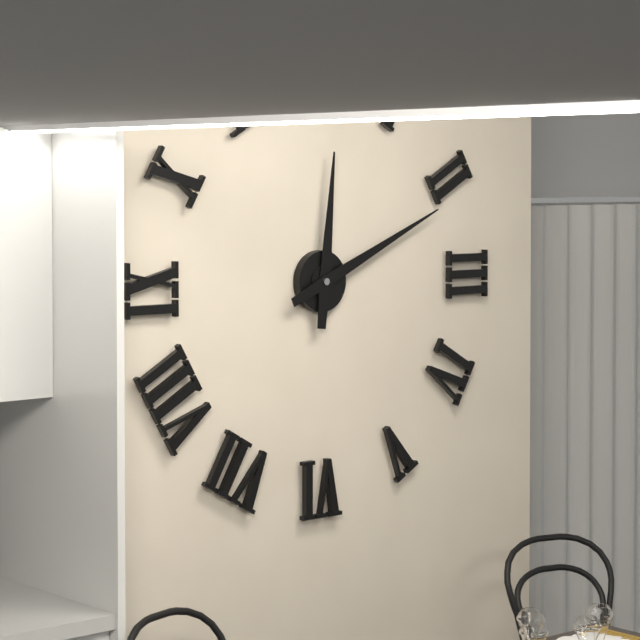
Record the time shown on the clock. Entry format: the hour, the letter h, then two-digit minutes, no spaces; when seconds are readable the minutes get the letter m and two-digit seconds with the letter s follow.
12h11
